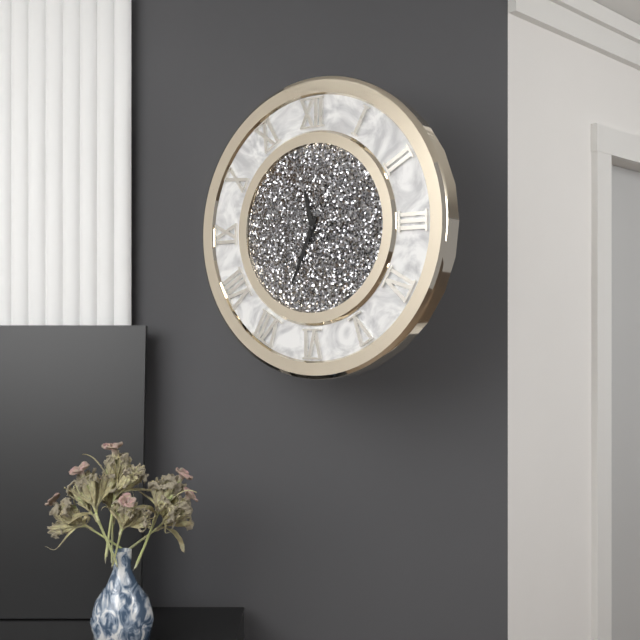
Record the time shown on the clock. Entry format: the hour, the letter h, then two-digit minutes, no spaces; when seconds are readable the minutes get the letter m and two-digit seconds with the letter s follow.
11h34
